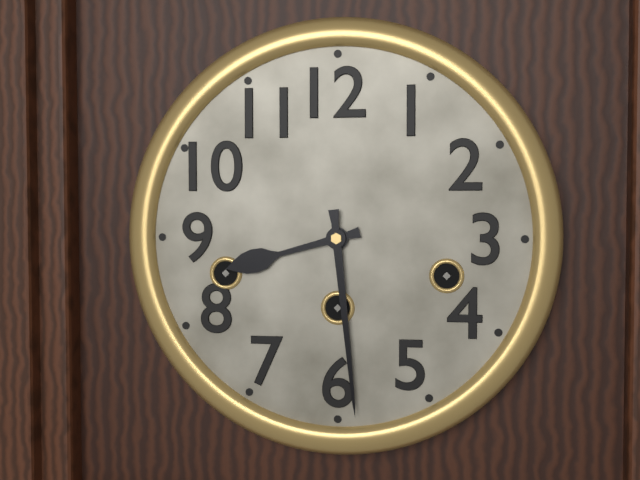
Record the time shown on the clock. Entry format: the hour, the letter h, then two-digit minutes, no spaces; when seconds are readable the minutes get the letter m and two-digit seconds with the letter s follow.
8h29
